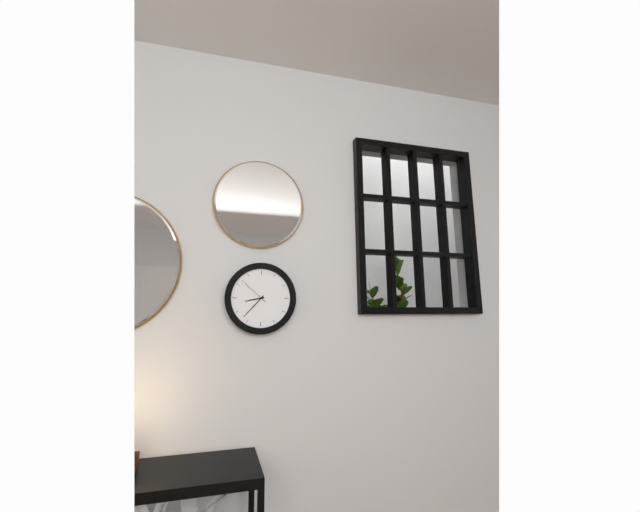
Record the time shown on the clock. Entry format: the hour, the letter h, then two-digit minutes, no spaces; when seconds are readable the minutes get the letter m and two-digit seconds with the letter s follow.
8h37
